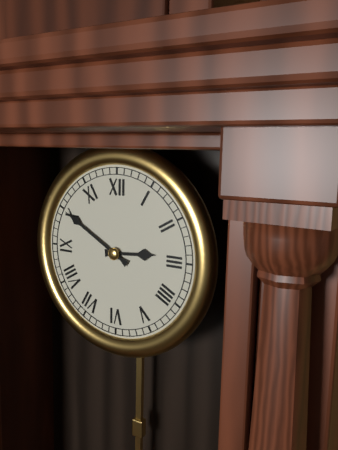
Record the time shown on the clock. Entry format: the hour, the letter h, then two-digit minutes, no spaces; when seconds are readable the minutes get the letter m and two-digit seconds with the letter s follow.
2h50
